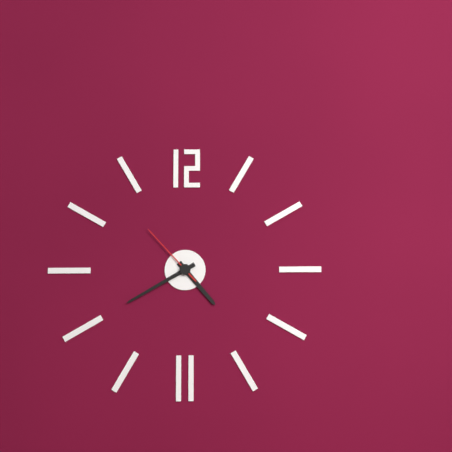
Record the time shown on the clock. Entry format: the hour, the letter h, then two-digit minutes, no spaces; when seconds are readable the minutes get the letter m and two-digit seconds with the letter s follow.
4h40m53s
